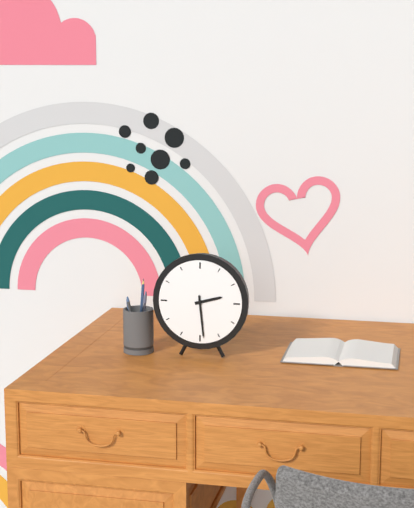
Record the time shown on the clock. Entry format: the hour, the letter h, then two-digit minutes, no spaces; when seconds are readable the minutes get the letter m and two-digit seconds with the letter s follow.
2h29
